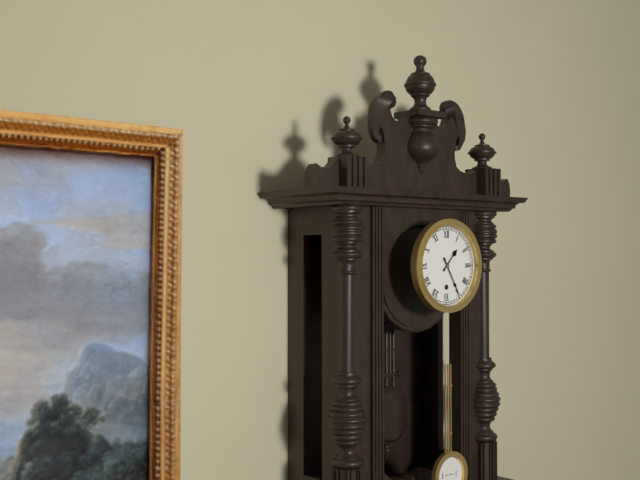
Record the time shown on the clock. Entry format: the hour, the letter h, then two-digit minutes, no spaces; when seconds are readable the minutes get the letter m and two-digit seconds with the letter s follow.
1h25
